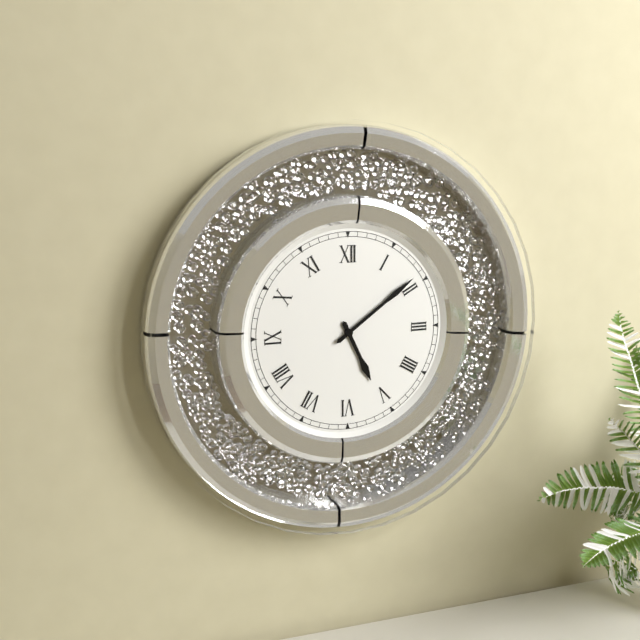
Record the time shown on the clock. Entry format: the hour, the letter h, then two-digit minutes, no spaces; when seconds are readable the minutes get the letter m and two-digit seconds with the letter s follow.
5h09
